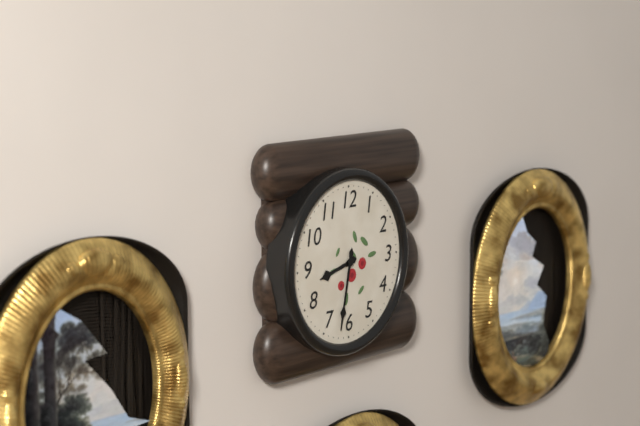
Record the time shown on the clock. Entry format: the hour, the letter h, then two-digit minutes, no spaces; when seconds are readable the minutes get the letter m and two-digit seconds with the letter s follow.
8h32
